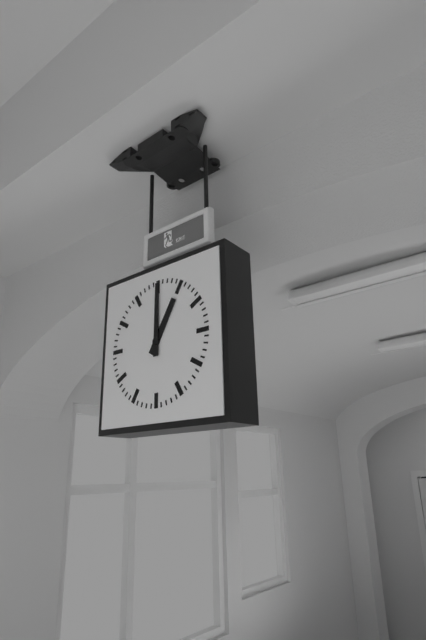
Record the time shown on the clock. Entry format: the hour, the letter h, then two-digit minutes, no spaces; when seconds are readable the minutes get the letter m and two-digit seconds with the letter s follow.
1h00
